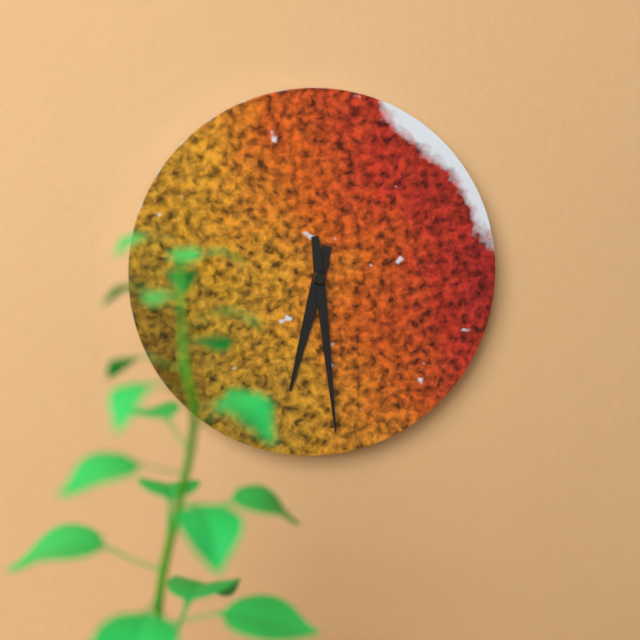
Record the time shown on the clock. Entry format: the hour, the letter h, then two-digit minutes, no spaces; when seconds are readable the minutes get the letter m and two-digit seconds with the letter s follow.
6h29
